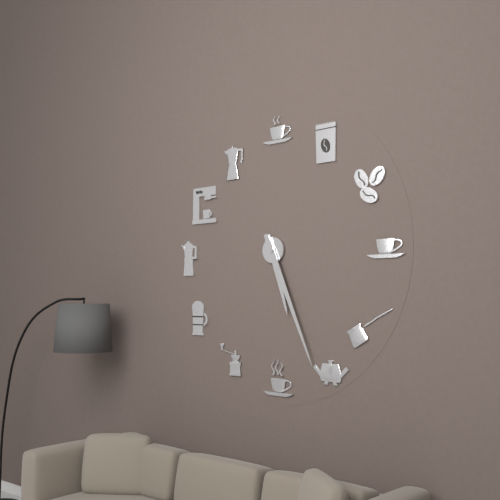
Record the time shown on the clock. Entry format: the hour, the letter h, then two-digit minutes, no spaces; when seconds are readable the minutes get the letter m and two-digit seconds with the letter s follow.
5h26
